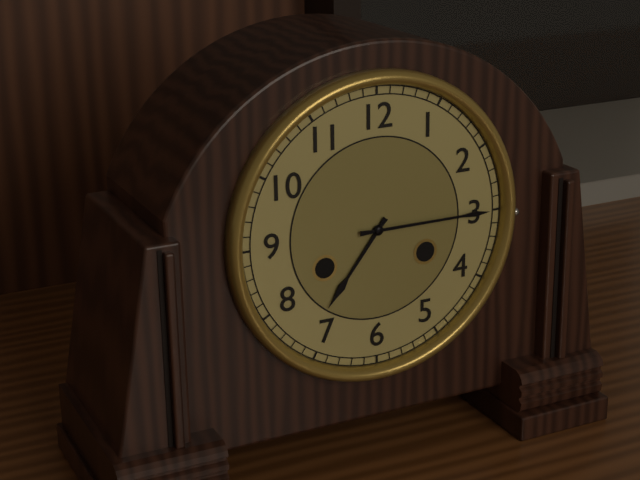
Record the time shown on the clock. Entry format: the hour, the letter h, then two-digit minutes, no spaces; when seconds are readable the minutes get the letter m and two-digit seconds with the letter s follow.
7h15
